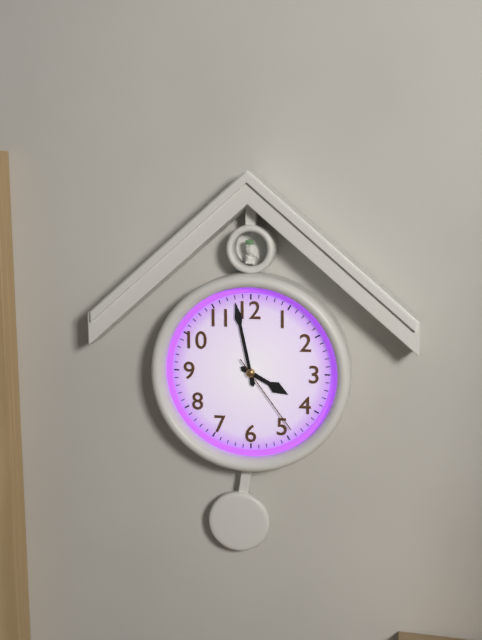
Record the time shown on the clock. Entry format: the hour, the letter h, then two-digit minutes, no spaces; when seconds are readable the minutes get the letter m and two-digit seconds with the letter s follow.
3h58m24s
